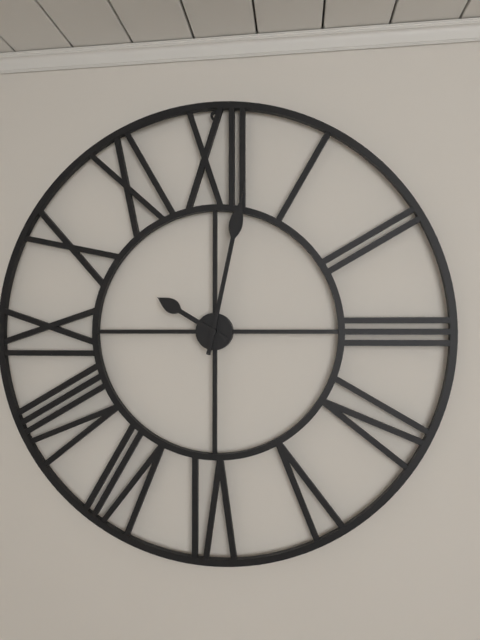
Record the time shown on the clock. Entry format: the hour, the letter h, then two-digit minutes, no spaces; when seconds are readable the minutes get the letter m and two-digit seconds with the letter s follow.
10h02
